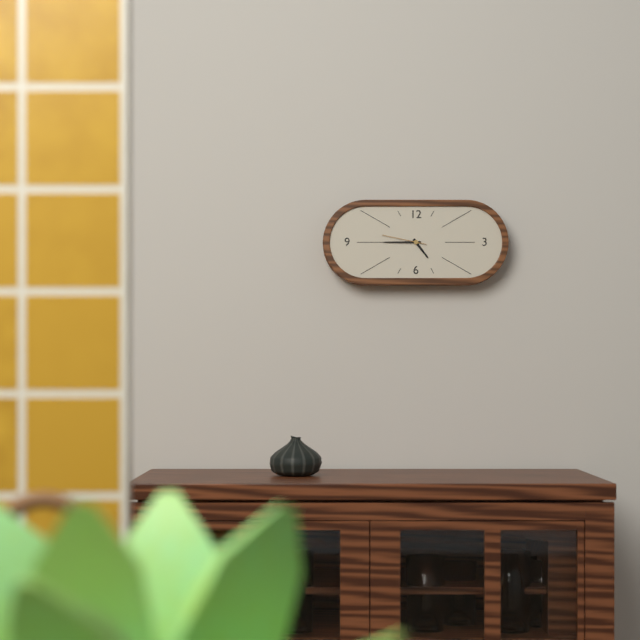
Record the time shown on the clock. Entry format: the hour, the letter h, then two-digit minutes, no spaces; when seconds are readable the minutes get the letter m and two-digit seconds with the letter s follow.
4h45
